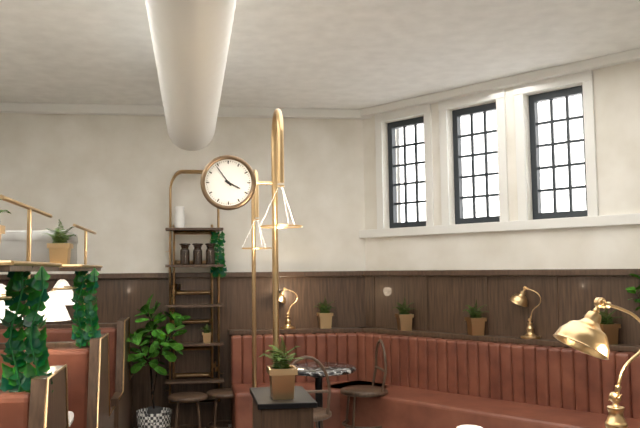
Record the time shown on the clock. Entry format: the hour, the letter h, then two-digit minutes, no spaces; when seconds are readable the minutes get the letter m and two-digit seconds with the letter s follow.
3h54
